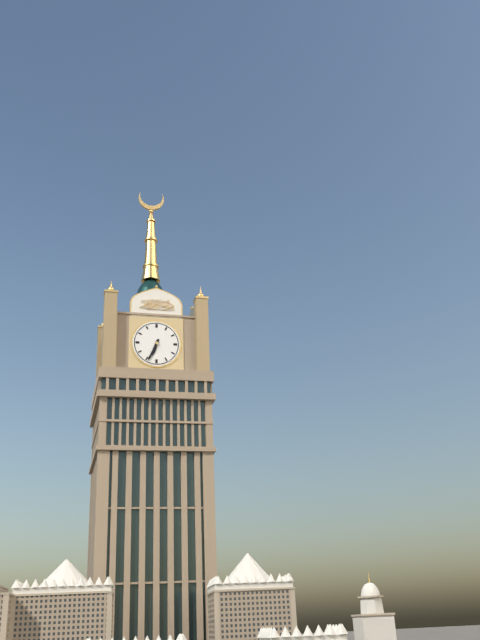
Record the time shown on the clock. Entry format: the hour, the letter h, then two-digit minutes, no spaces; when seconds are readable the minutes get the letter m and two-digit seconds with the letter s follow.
6h34
